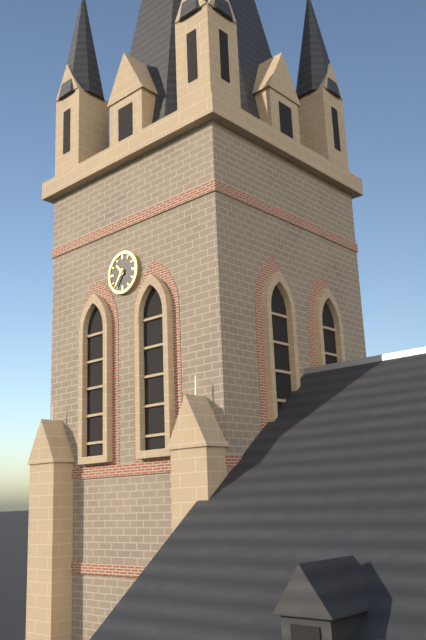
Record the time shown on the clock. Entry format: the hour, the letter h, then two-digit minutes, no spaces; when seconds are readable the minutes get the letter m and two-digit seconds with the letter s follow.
10h36
